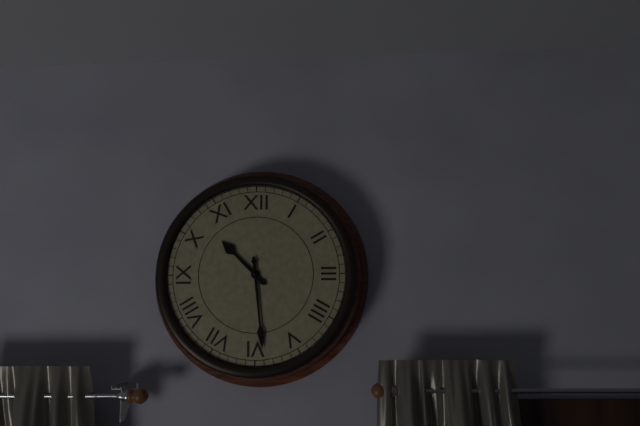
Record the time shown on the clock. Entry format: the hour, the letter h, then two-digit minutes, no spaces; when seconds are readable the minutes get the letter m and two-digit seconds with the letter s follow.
10h29
